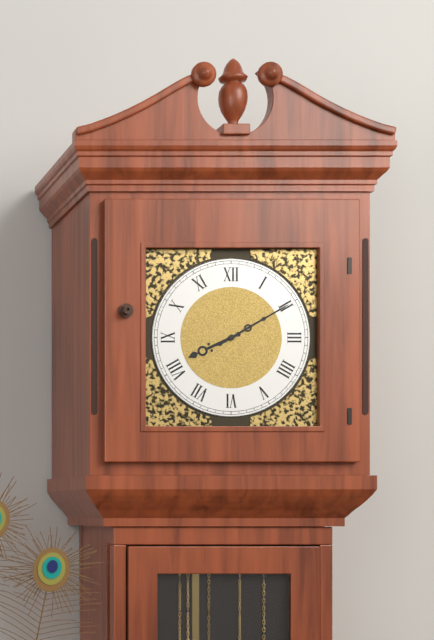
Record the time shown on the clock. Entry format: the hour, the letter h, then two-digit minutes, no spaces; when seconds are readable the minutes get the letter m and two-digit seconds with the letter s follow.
8h10
